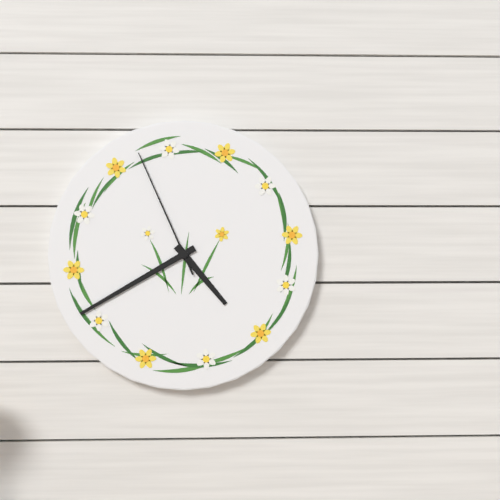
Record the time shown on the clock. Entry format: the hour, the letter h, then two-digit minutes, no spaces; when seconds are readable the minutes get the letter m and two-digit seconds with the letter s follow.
4h40m56s
